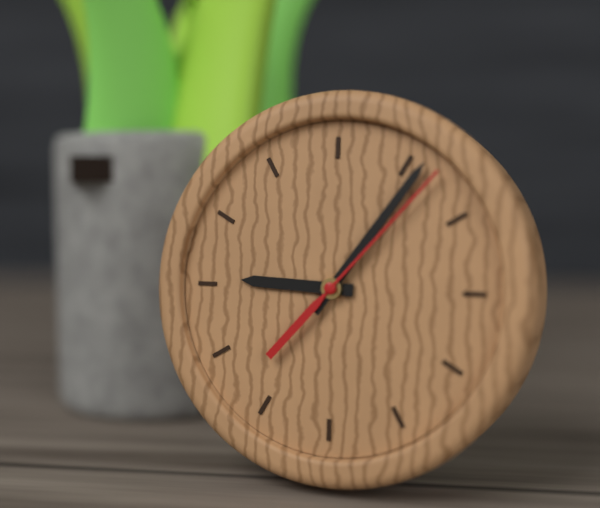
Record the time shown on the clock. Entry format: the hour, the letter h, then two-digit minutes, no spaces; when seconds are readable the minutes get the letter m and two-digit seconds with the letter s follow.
9h06m07s
